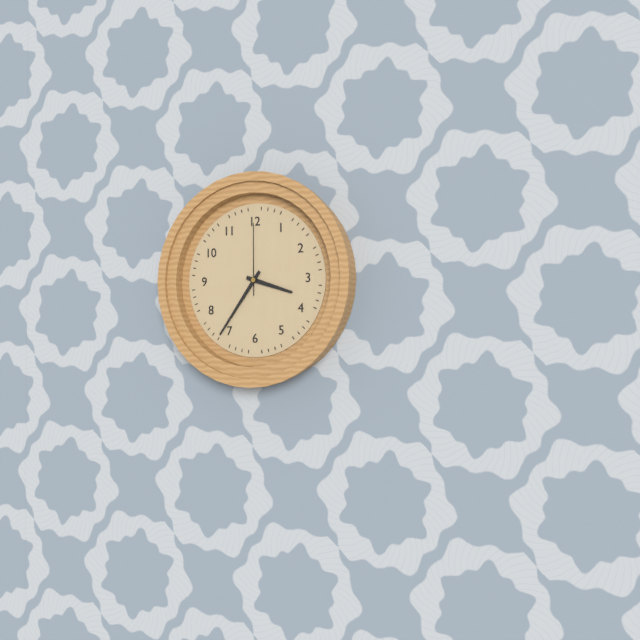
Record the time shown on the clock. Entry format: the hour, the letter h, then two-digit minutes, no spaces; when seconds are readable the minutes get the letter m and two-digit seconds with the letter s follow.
3h36m00s
